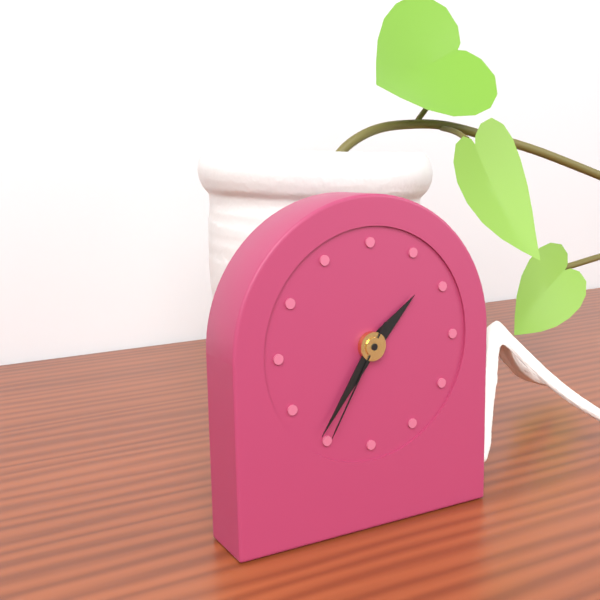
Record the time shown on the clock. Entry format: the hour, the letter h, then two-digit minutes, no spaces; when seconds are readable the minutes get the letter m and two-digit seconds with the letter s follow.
1h36m35s
